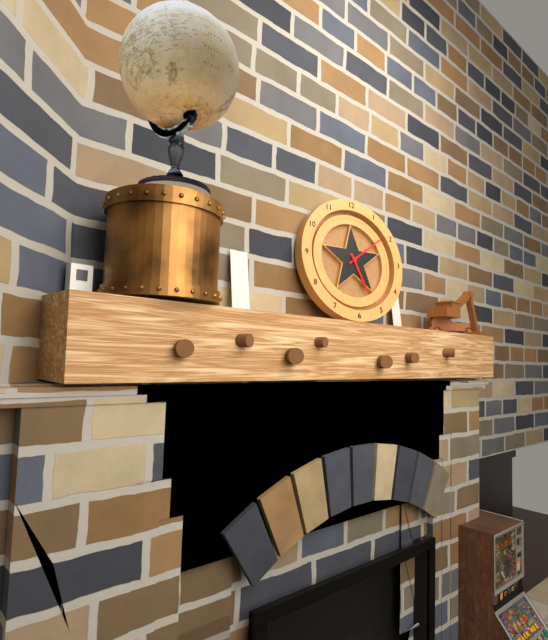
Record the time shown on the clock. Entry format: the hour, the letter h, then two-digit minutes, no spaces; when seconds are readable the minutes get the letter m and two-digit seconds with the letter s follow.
5h09
